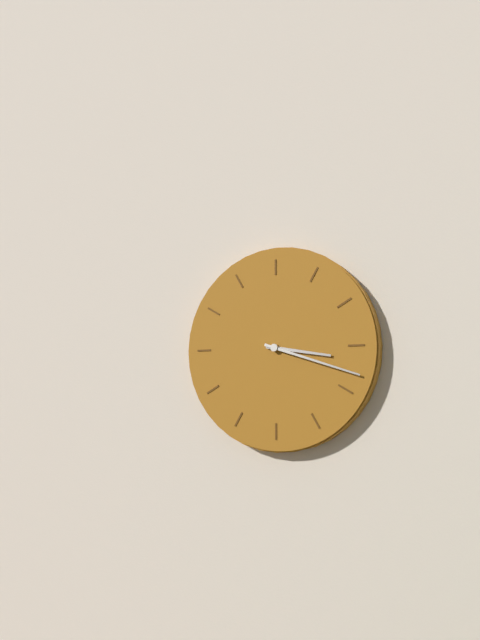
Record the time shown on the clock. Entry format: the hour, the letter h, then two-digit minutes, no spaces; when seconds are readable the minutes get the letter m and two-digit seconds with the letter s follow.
3h18
